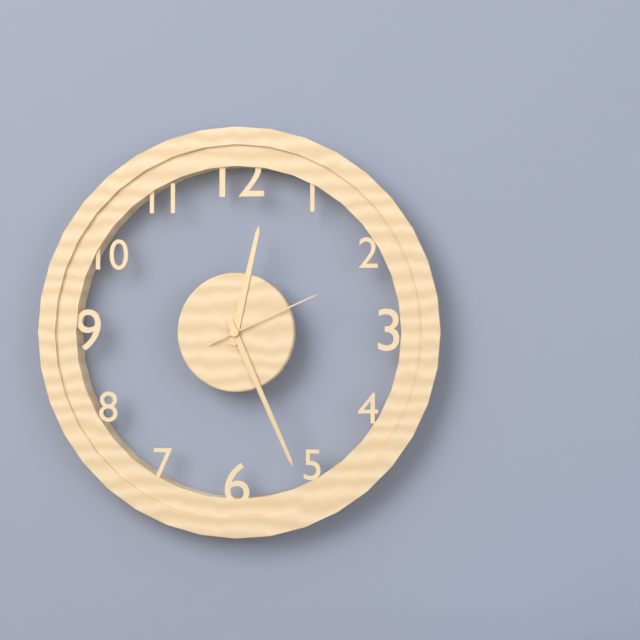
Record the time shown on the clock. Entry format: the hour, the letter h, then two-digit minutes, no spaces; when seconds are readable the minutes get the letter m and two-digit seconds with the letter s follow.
12h26m11s
